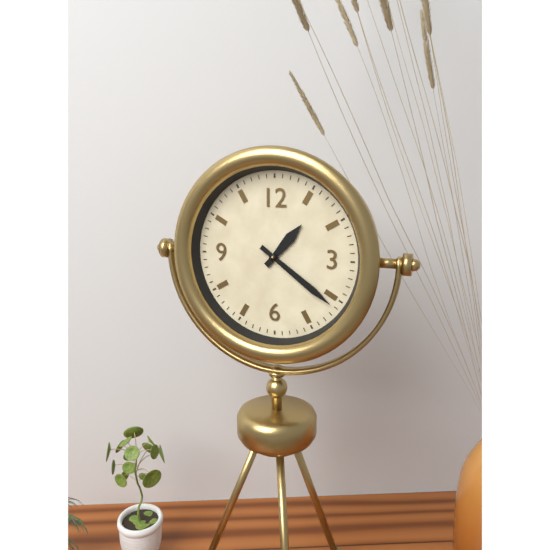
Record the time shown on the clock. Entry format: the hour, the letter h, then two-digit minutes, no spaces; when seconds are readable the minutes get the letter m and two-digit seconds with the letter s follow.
1h21
